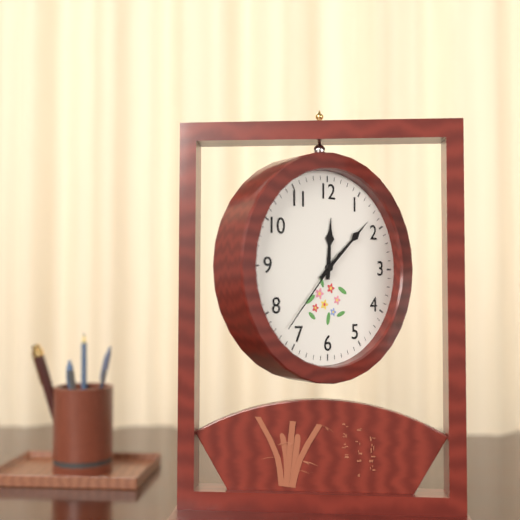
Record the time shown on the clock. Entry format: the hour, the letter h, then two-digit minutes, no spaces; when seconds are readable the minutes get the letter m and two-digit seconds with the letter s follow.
12h08m37s
